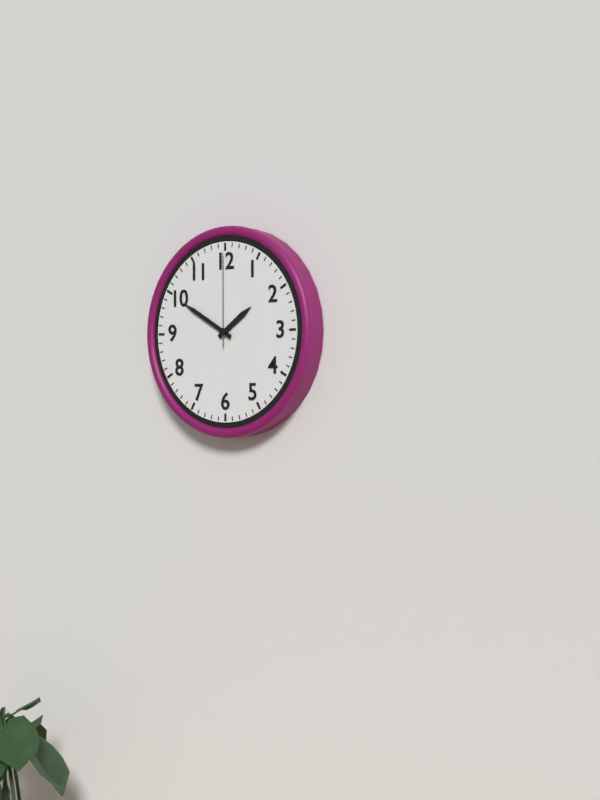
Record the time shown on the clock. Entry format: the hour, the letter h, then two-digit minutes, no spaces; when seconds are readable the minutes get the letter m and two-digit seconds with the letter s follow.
1h50m00s
